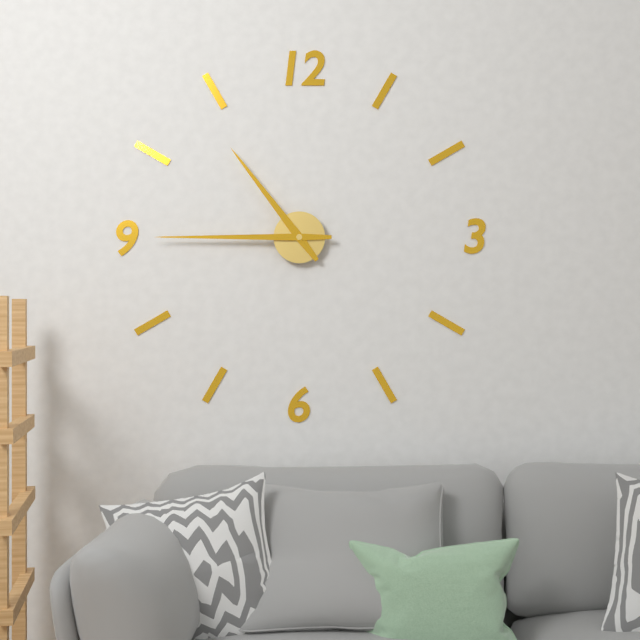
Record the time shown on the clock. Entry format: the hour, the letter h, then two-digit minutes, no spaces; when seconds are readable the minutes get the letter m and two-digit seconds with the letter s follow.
10h45
